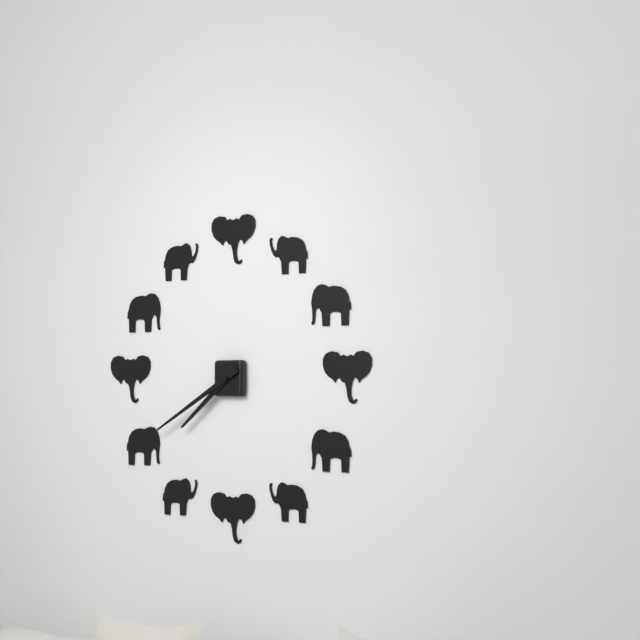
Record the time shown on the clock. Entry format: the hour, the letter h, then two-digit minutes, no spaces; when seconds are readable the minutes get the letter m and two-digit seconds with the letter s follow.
7h40
